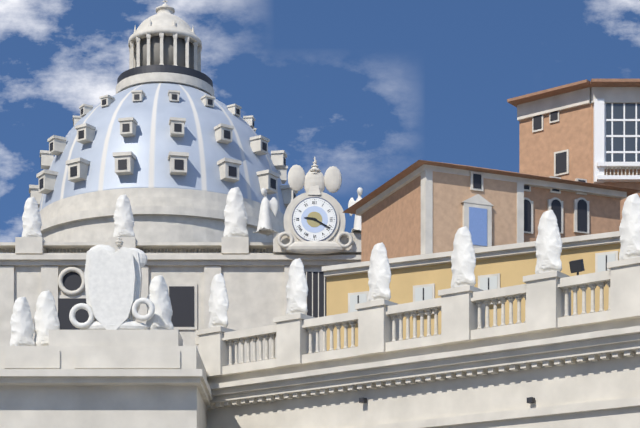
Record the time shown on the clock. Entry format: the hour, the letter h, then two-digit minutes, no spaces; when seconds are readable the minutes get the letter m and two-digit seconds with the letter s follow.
9h20
